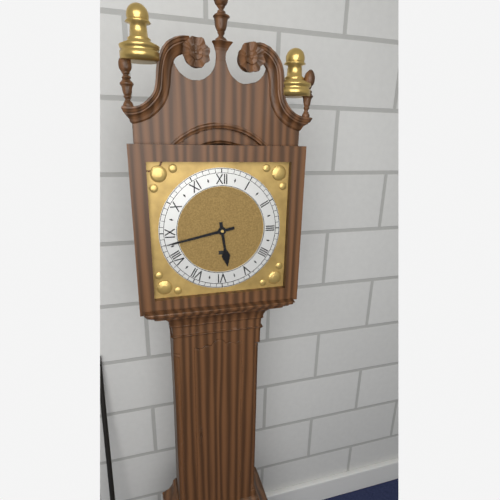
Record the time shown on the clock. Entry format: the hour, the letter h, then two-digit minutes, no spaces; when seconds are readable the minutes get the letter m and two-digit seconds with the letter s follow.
5h43
